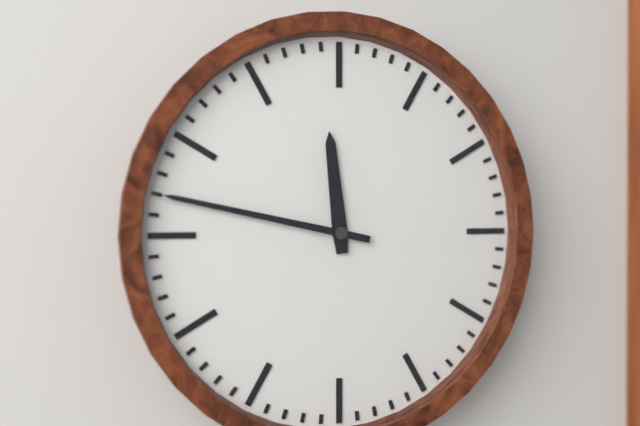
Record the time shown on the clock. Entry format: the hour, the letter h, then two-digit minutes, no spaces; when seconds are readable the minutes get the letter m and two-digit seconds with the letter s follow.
11h47
